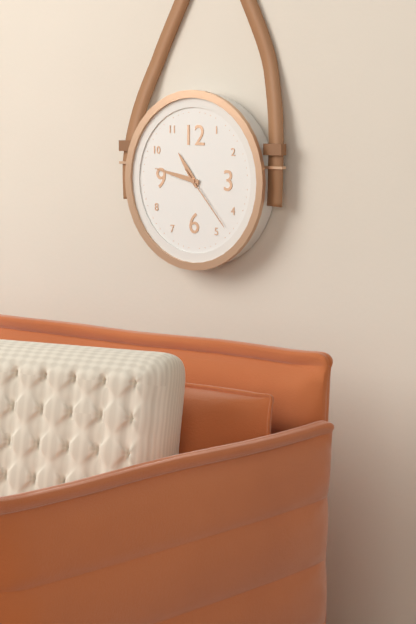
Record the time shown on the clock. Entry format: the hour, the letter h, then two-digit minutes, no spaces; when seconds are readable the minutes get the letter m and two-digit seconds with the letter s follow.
10h47m23s
